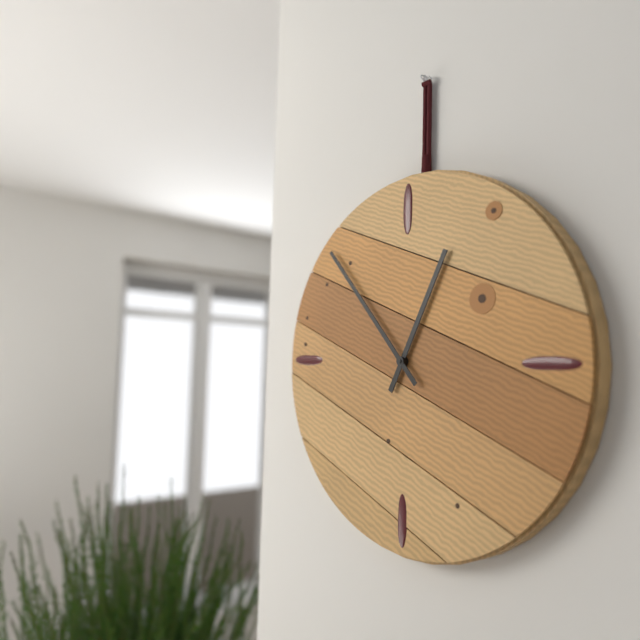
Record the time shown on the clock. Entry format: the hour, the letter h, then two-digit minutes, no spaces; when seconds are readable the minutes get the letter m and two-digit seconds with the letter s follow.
12h53
